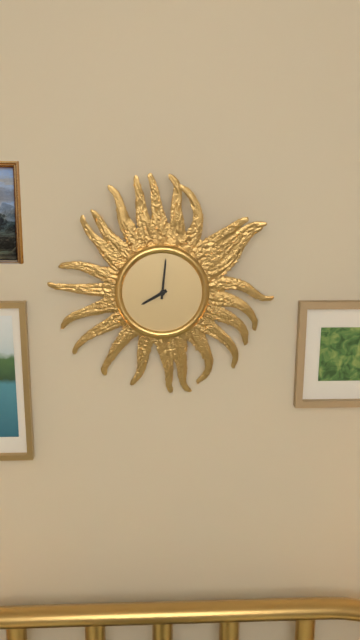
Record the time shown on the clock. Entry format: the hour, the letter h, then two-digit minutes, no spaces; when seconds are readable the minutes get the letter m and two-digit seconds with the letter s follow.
8h01
